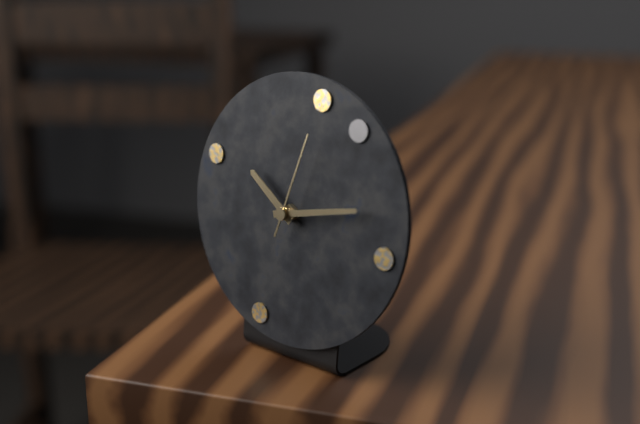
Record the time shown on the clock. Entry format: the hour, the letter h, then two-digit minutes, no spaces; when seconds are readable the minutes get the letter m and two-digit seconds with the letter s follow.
10h13m03s
